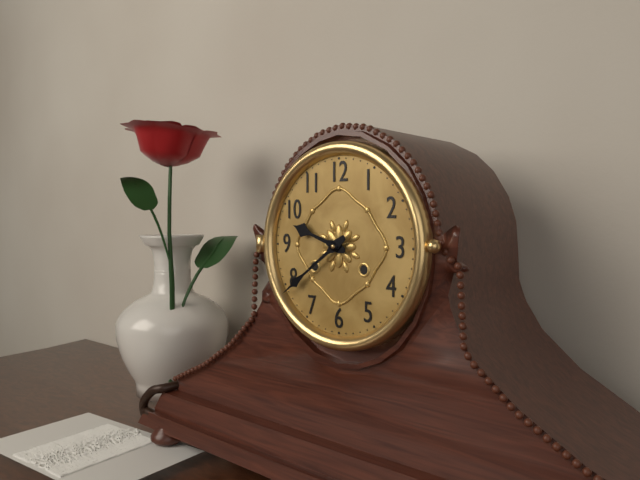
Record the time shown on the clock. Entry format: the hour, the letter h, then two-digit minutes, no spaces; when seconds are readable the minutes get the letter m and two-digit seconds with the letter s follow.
9h39
